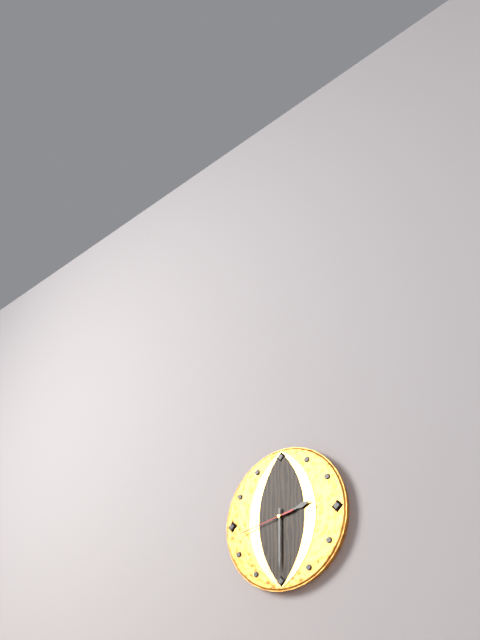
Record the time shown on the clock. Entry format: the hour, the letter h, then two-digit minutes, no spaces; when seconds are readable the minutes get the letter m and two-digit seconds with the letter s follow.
2h30m43s
